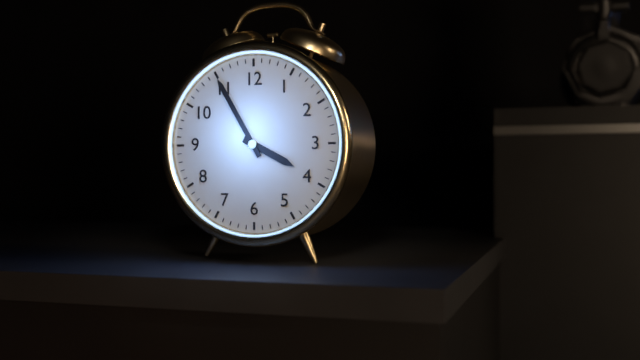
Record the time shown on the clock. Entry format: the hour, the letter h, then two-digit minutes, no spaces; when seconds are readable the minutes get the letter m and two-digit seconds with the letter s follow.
3h55
